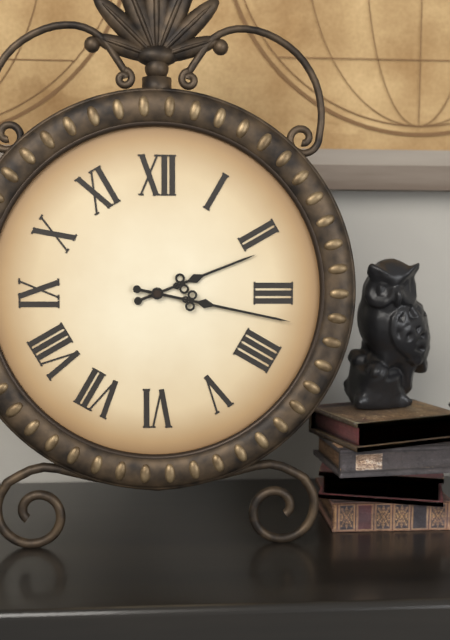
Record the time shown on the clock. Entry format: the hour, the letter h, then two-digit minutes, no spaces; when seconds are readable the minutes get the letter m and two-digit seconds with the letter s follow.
2h17
